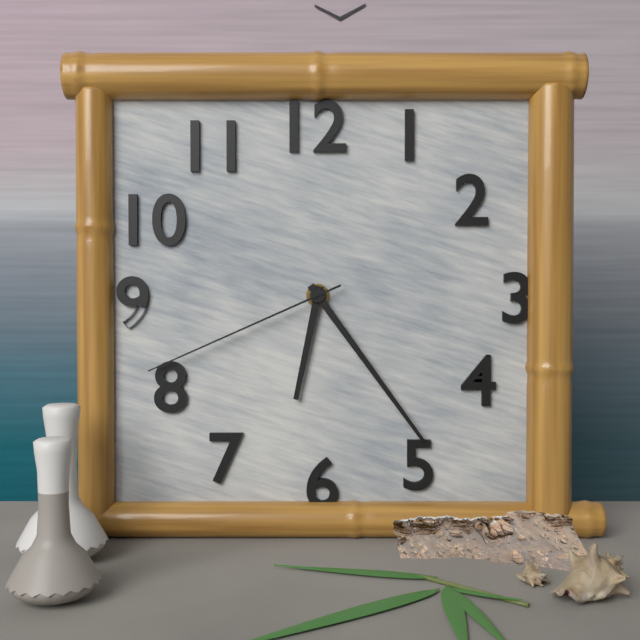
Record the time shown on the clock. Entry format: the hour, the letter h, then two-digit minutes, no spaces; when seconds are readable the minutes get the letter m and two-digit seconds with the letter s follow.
6h24m41s
